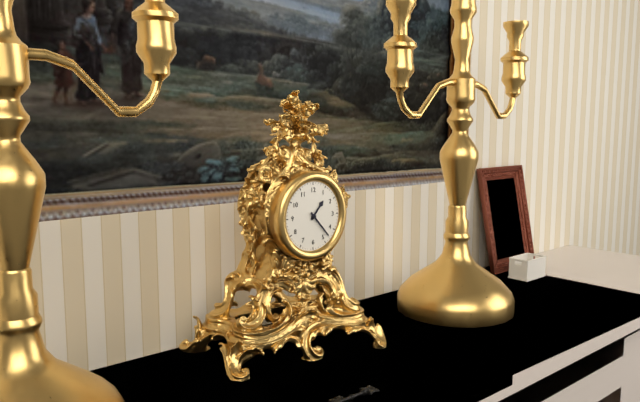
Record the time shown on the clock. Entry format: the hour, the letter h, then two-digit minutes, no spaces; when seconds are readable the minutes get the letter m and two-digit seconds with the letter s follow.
1h23
